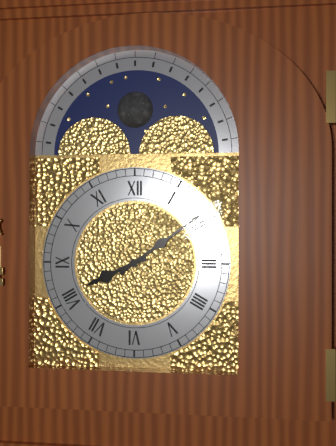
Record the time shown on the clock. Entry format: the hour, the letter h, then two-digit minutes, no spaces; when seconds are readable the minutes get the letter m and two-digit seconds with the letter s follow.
8h09
